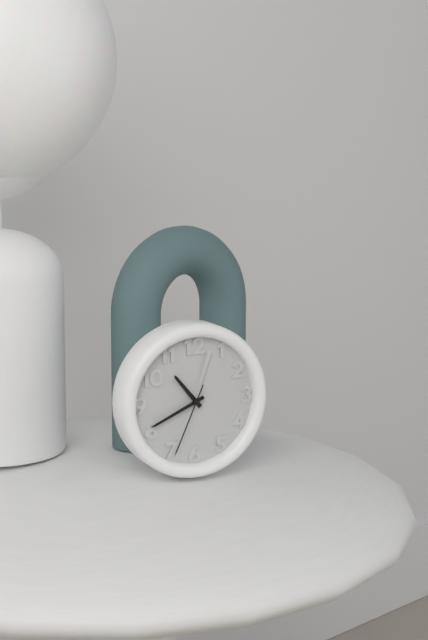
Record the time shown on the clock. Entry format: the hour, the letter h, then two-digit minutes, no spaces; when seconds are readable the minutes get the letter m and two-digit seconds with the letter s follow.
10h41m34s
